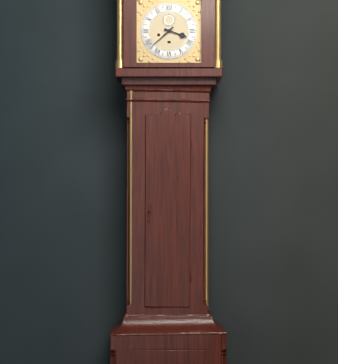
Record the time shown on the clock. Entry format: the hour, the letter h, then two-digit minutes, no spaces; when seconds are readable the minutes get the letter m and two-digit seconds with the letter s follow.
3h38
